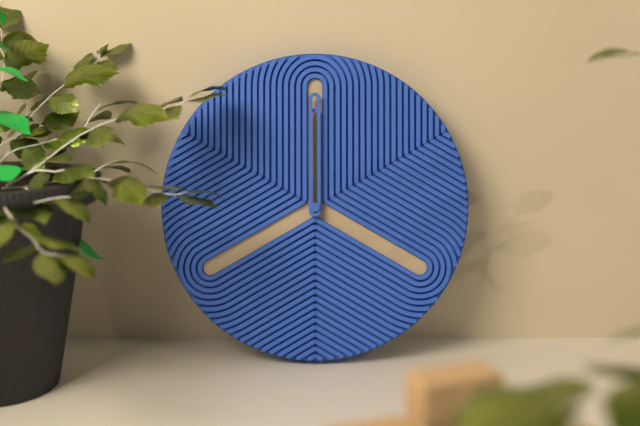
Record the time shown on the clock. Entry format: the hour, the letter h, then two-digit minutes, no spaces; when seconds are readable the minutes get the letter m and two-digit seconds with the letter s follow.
12h00
